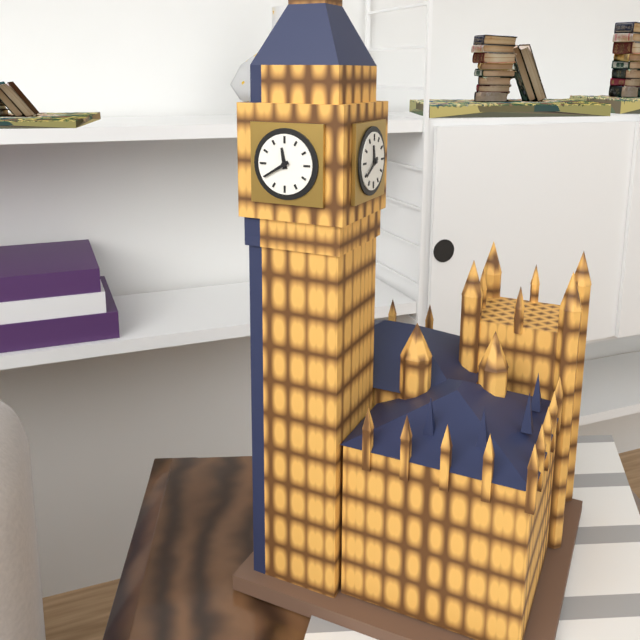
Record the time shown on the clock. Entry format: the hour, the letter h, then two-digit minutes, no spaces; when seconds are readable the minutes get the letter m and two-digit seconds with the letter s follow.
11h40
